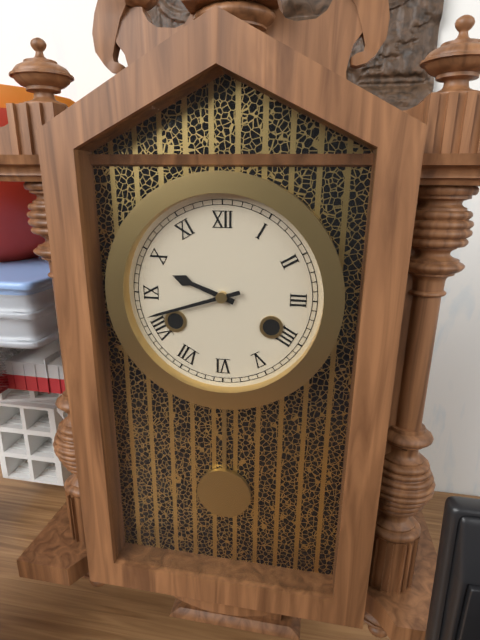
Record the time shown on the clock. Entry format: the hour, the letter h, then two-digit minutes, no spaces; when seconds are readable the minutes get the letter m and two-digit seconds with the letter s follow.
9h42
